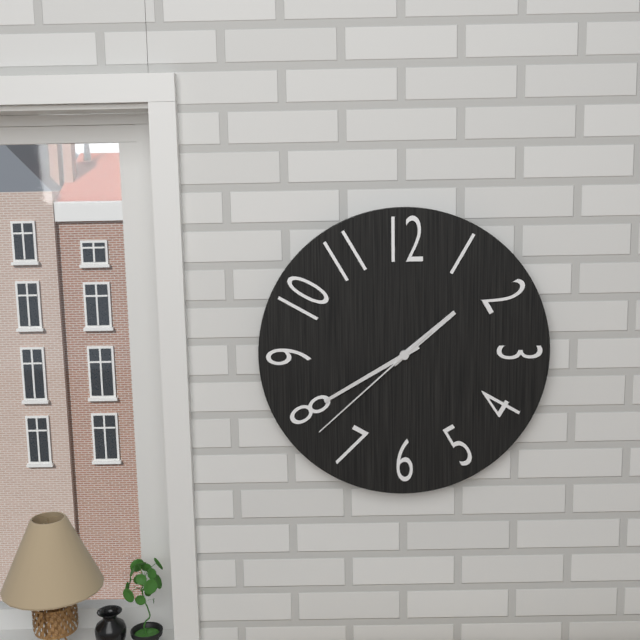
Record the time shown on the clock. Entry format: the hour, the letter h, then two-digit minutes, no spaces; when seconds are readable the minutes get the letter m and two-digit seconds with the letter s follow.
1h40m38s
